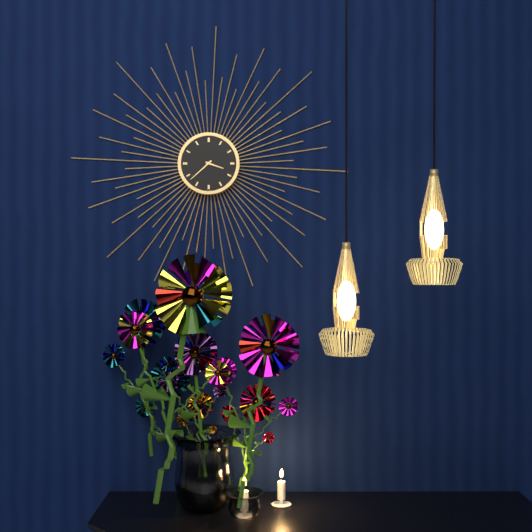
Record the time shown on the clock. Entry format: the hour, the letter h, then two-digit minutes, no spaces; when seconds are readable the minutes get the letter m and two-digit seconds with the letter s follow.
3h38
